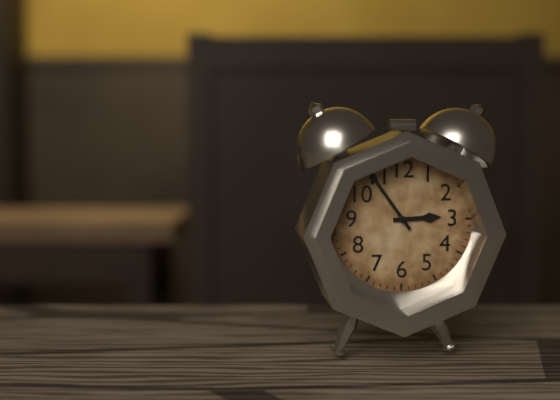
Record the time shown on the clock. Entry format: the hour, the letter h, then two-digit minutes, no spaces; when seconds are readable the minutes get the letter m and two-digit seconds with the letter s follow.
2h54
